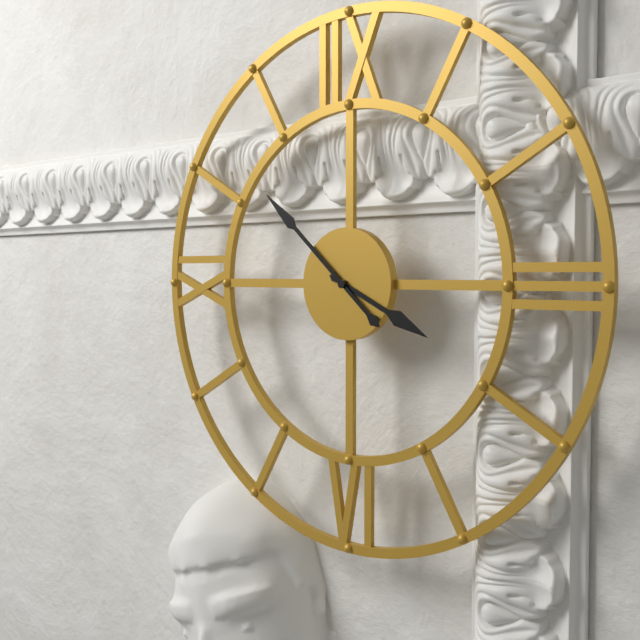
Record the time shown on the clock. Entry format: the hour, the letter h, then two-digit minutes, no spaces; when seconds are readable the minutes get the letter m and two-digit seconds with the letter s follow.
3h52
